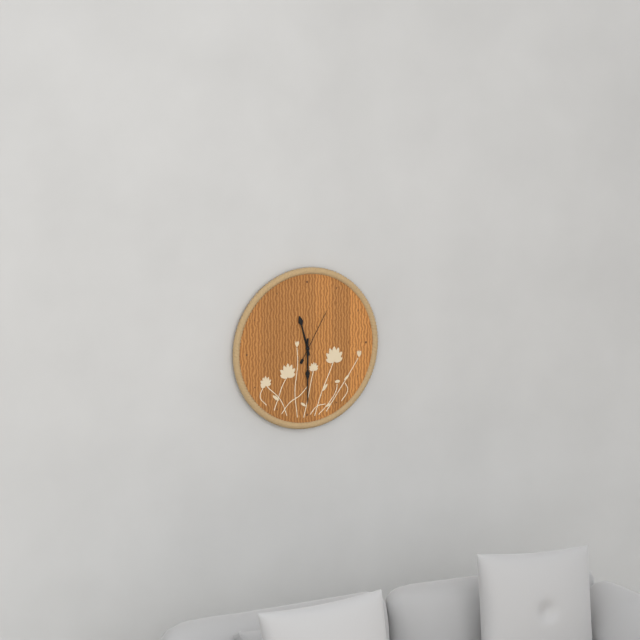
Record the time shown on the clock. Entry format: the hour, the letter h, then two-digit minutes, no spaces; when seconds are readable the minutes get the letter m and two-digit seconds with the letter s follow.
11h30m05s
